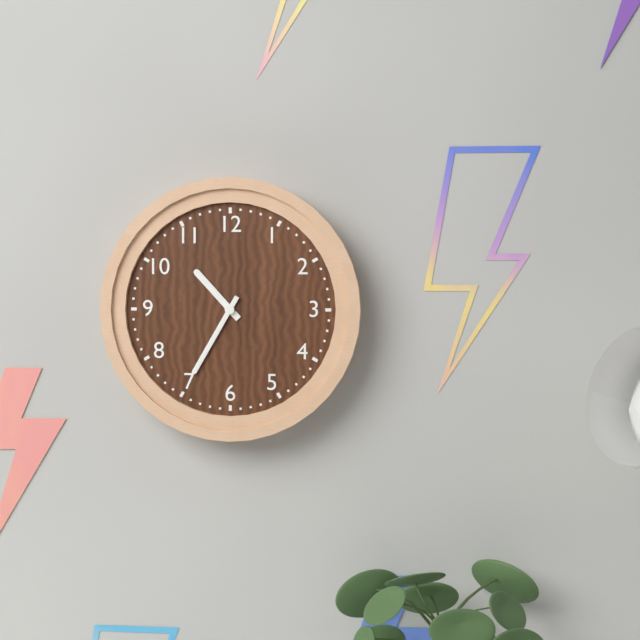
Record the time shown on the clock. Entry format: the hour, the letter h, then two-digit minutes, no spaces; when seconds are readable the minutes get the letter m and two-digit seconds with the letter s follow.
10h35
